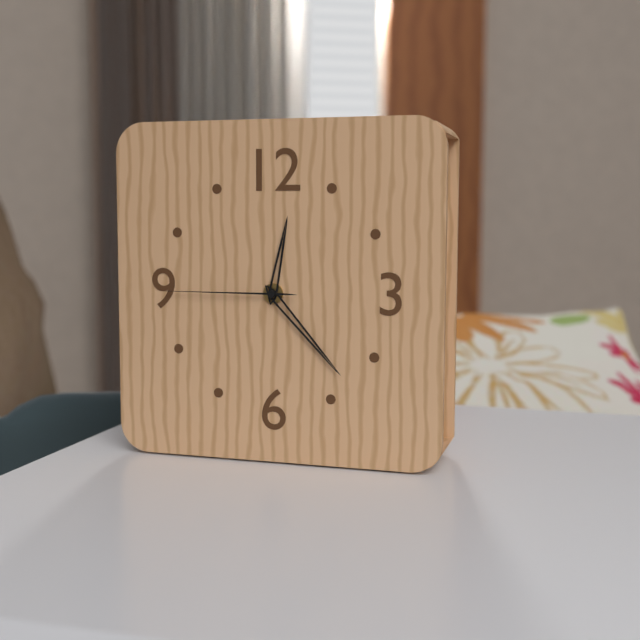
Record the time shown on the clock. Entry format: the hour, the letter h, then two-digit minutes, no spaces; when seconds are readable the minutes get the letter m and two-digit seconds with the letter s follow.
12h23m45s
